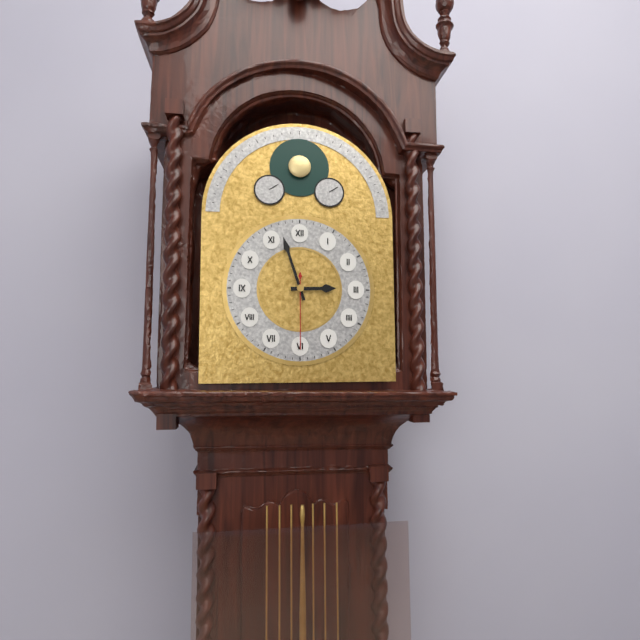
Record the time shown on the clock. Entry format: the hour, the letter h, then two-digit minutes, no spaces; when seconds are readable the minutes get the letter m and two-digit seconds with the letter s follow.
2h57m30s
